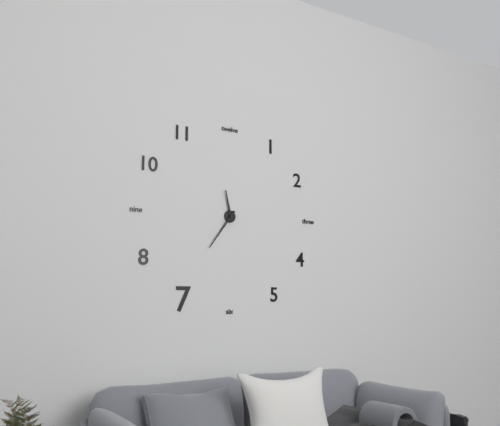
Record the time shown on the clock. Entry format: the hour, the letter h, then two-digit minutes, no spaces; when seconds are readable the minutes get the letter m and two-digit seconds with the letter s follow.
11h36
